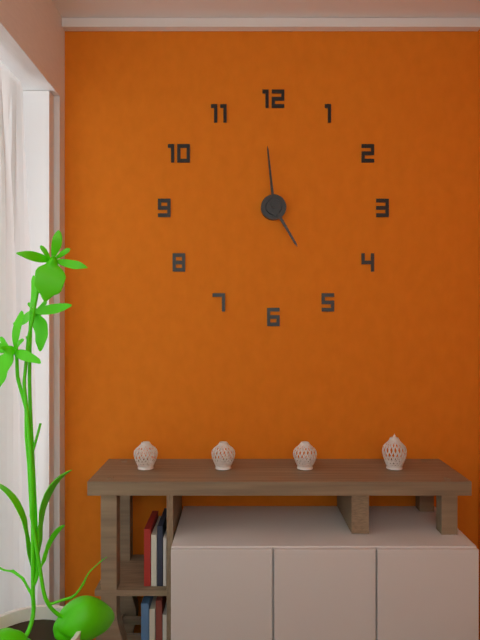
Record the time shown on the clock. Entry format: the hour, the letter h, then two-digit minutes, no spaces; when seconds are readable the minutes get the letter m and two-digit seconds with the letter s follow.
4h59
